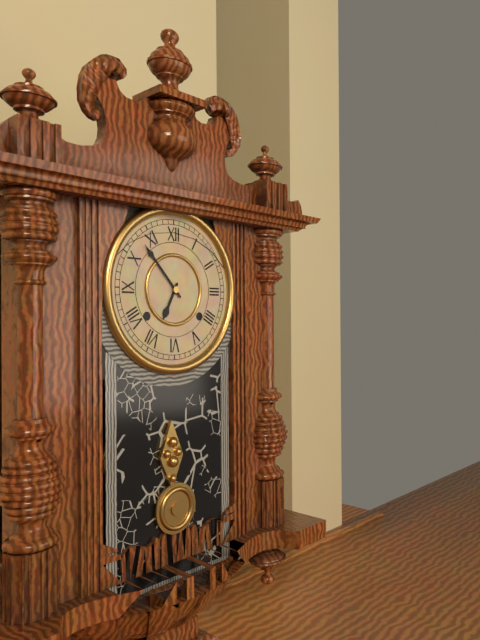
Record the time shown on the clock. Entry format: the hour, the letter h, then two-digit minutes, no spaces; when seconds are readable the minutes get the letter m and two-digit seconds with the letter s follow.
6h53
